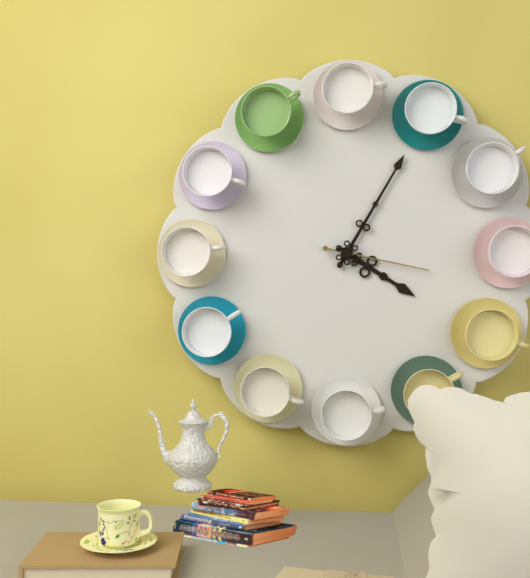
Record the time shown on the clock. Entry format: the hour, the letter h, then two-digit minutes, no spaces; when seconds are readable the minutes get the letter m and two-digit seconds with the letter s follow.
4h05m17s
